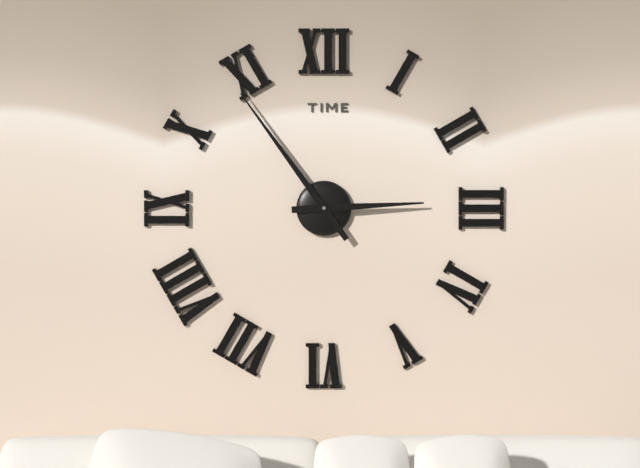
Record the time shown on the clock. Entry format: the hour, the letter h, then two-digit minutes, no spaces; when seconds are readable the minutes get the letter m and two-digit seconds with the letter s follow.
2h54
